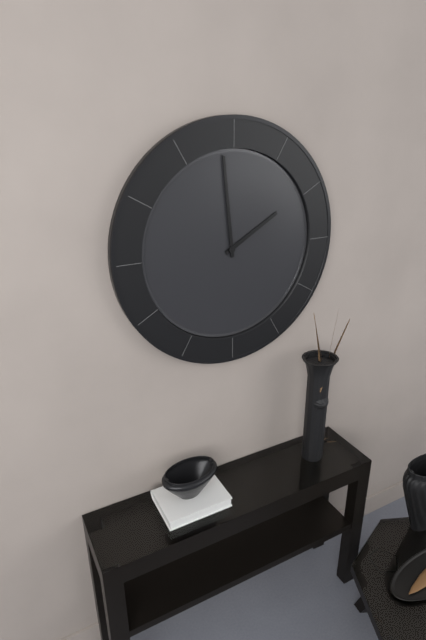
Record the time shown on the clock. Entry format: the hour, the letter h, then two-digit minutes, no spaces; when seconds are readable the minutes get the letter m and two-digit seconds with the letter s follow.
1h59
